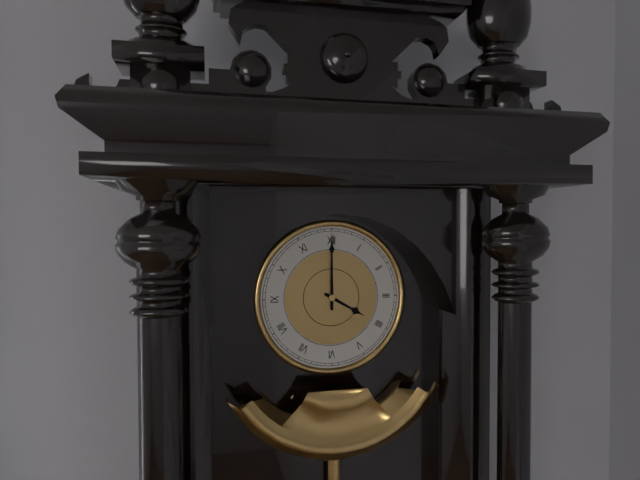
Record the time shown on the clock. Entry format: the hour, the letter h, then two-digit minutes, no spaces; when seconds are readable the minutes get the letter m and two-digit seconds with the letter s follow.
4h00
